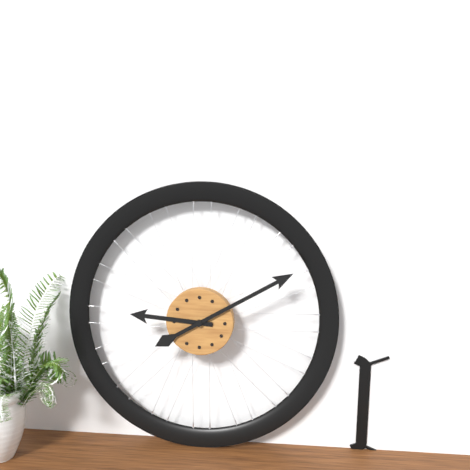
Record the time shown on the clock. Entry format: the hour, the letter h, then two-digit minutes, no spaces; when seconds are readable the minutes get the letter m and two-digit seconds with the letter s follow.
9h10
